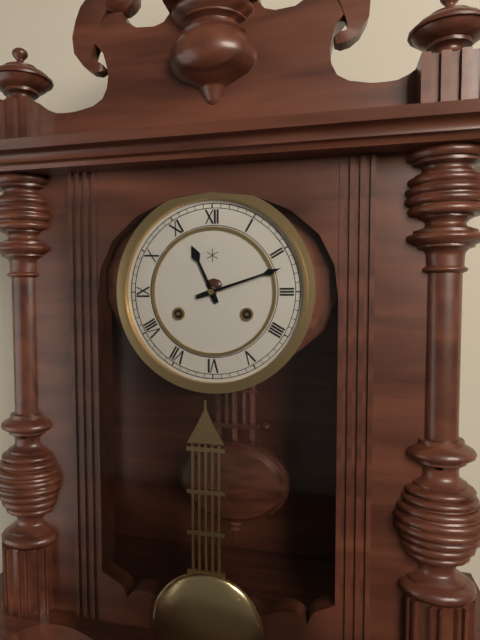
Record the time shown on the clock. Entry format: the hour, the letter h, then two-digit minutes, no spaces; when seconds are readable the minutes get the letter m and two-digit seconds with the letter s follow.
11h12
